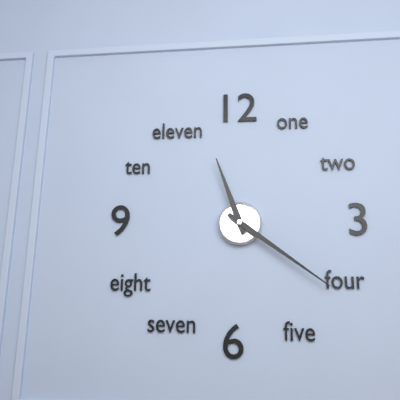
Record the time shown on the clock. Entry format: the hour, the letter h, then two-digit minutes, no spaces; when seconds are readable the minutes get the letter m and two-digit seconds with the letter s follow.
11h21
